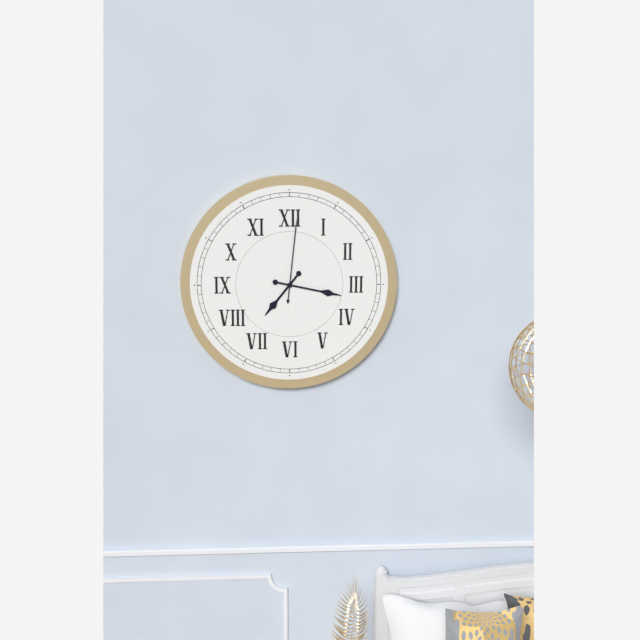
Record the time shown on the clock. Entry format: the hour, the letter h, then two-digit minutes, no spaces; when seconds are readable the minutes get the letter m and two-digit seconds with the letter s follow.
7h17m01s
